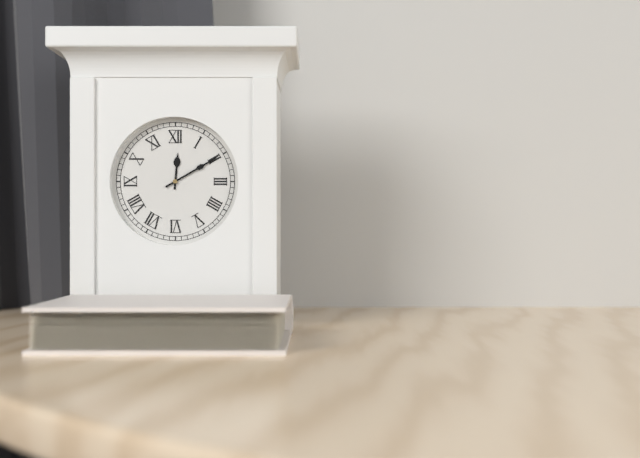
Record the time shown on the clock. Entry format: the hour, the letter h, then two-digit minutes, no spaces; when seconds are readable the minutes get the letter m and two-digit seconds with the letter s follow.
12h10
